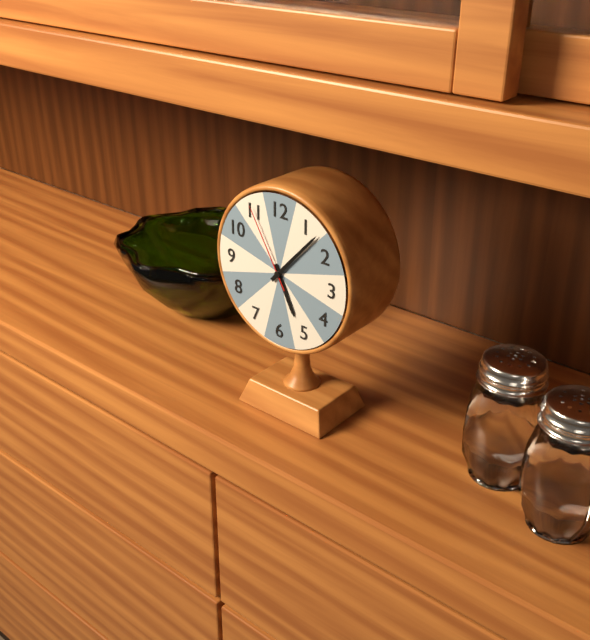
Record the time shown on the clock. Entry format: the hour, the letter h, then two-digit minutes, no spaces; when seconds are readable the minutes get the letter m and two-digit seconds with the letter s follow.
5h07m55s
